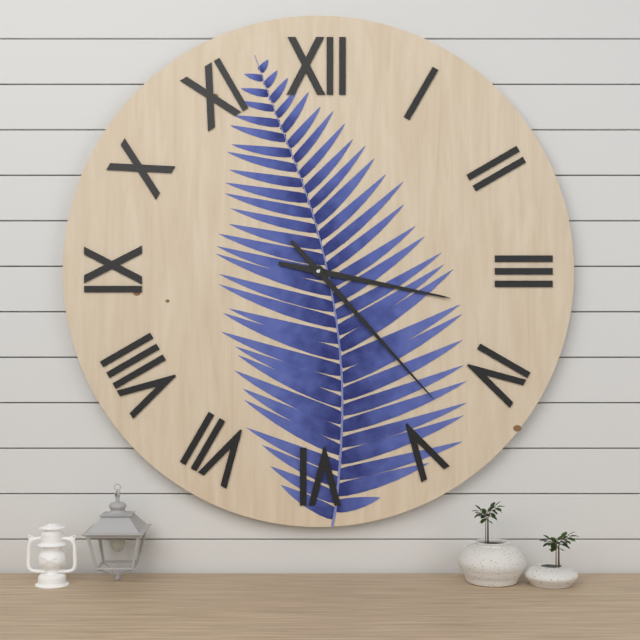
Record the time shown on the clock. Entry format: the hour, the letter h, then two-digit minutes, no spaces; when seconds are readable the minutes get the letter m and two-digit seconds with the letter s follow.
3h23
